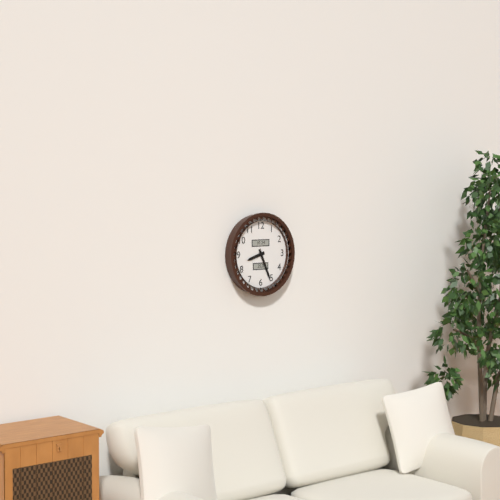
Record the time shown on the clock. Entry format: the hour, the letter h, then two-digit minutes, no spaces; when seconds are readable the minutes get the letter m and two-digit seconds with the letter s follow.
8h26
